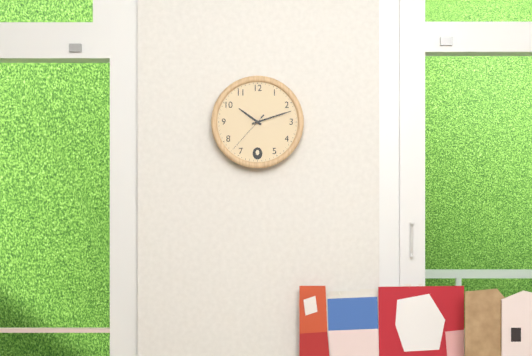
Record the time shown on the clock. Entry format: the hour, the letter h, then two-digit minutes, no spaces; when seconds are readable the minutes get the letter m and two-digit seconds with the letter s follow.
10h12
